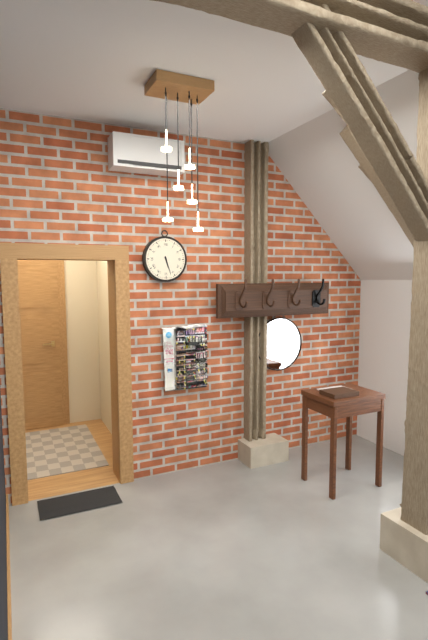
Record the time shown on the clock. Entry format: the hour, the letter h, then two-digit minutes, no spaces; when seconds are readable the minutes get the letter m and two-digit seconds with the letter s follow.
5h27
